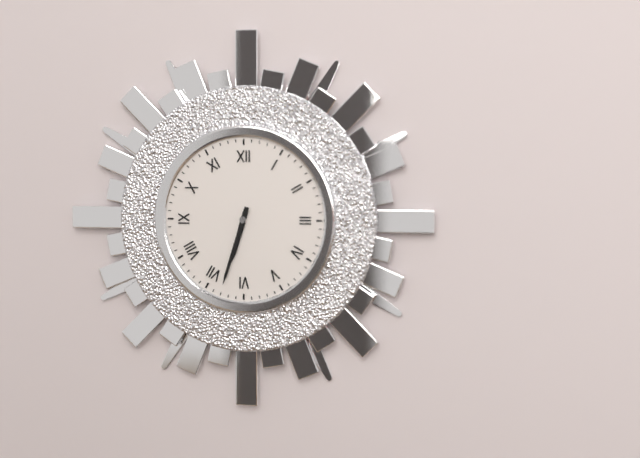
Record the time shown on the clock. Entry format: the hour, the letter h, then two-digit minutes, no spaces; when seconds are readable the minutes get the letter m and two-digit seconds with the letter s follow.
6h33
